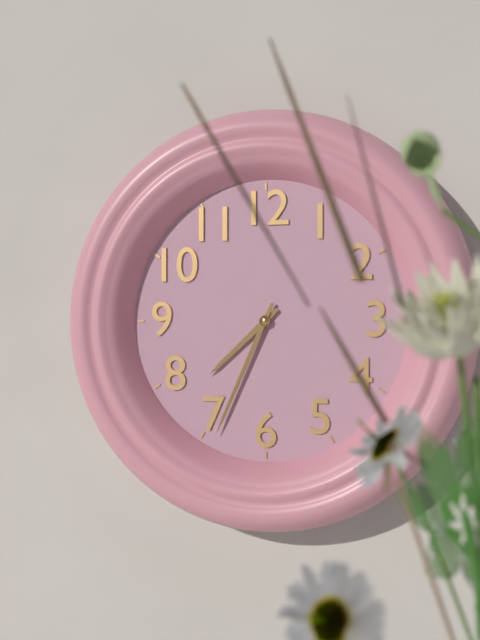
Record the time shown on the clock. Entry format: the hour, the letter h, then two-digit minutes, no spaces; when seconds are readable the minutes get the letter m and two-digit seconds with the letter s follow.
7h34
